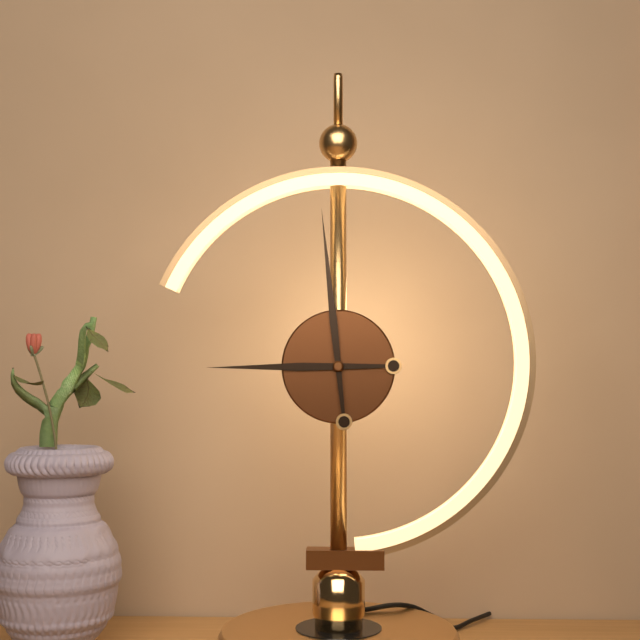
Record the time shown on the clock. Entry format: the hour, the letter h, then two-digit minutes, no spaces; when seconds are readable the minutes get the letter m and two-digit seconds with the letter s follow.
8h59
